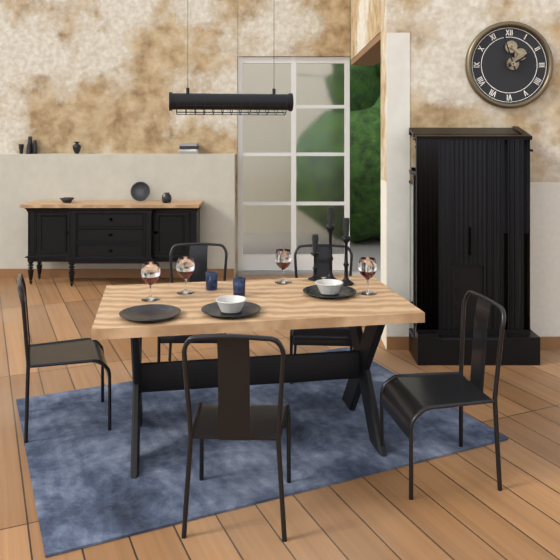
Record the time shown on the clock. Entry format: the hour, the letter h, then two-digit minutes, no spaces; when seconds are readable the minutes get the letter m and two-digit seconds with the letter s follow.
1h57
